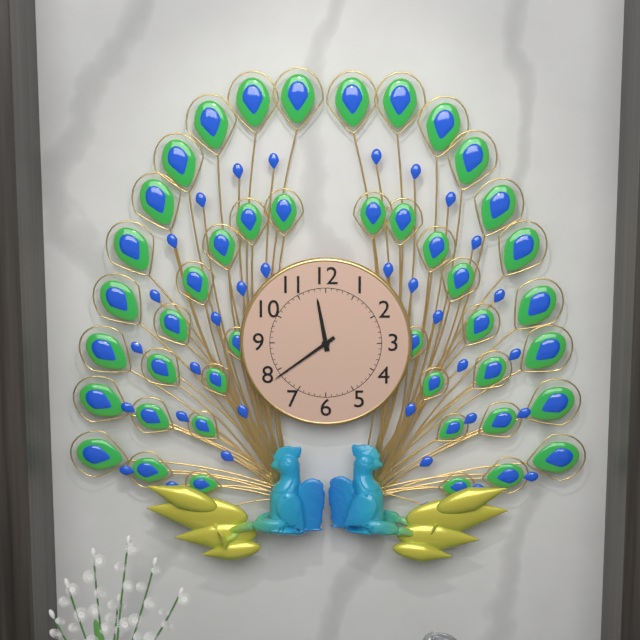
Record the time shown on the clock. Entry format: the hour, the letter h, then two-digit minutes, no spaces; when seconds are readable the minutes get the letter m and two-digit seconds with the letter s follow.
11h39
